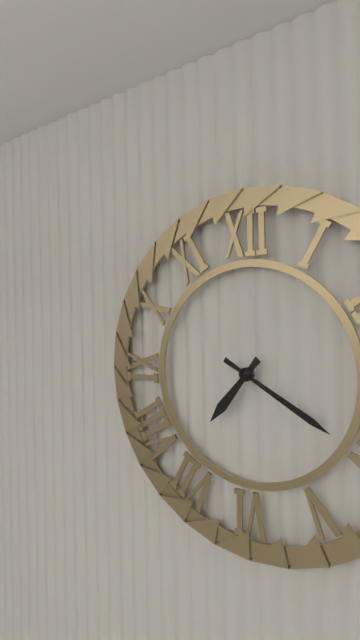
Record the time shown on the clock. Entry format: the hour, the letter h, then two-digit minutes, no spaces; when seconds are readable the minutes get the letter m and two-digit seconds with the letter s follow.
7h20
